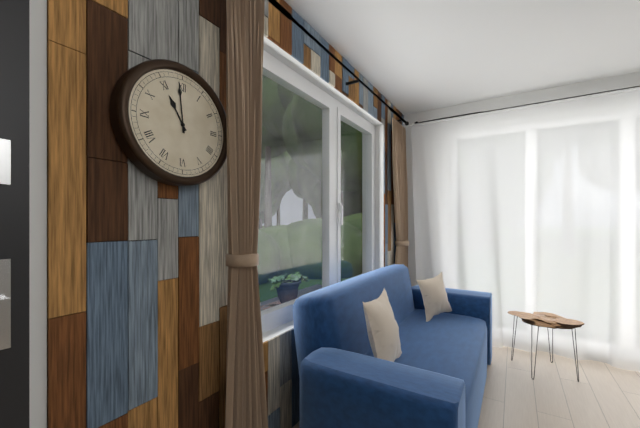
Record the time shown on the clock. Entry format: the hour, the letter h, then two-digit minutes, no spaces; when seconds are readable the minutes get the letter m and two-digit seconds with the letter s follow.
10h59
